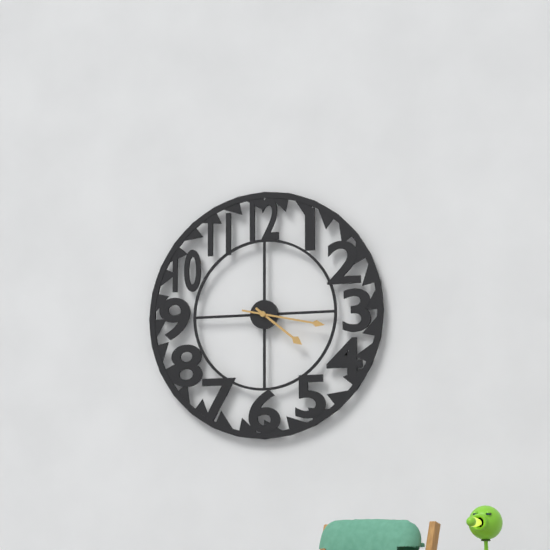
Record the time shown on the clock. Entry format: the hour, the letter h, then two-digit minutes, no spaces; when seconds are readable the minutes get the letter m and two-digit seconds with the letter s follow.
4h17
